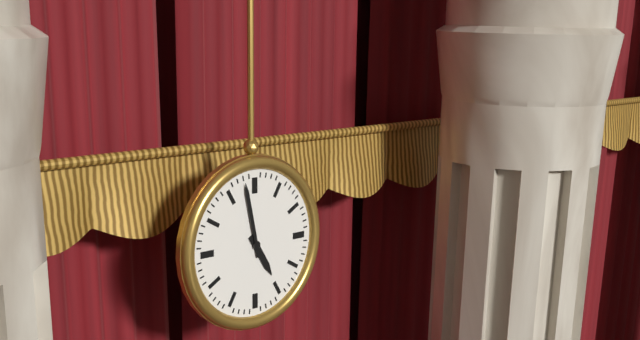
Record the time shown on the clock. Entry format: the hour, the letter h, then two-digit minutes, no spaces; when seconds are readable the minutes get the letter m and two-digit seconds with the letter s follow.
4h58
